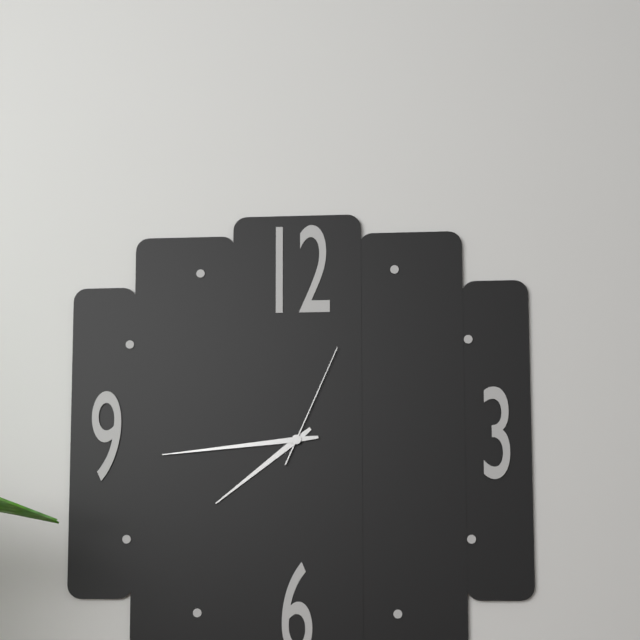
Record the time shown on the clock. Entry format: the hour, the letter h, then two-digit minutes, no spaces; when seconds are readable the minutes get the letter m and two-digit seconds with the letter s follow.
7h44m04s
